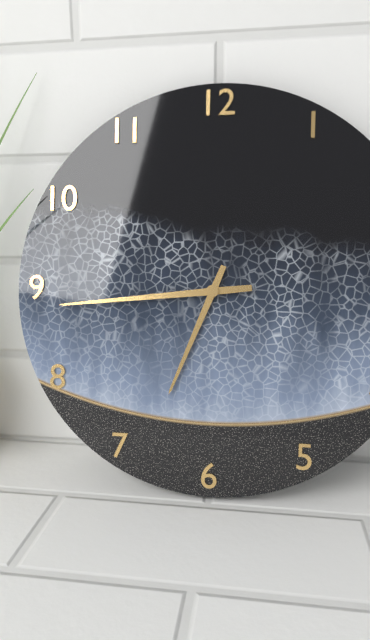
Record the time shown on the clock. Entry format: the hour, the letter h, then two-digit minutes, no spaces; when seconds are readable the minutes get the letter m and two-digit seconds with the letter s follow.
6h44
